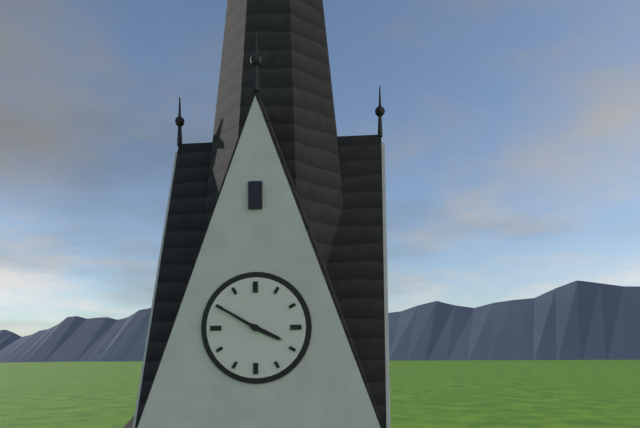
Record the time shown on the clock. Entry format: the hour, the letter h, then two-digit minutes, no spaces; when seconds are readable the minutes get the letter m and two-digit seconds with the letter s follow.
3h50
